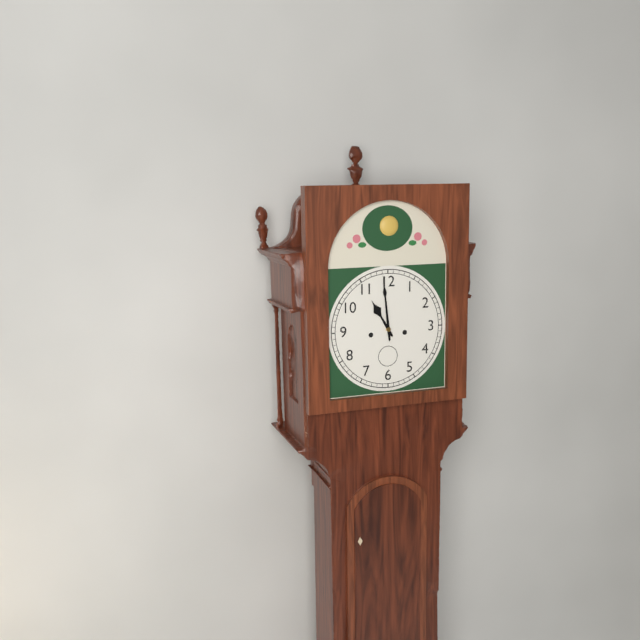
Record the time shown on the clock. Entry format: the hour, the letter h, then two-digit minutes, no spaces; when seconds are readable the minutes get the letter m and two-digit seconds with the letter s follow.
10h59
